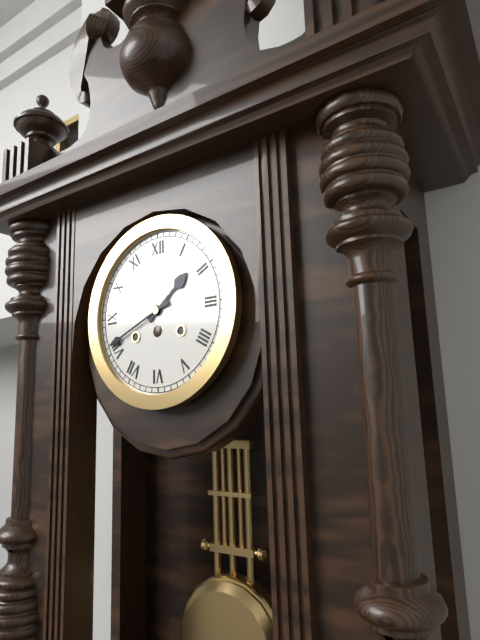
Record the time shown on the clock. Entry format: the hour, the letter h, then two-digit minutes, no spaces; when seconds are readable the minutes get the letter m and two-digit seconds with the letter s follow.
1h41
